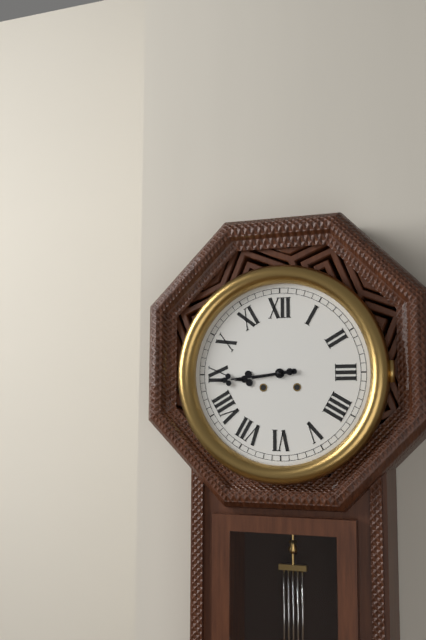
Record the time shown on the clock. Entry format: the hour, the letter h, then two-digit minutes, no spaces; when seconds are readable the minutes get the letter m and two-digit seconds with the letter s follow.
8h44
